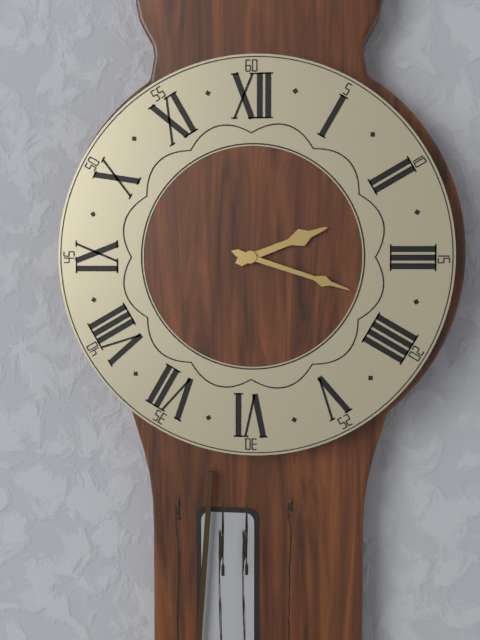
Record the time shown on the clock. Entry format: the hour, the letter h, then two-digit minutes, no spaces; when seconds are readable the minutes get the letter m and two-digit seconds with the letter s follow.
2h18
